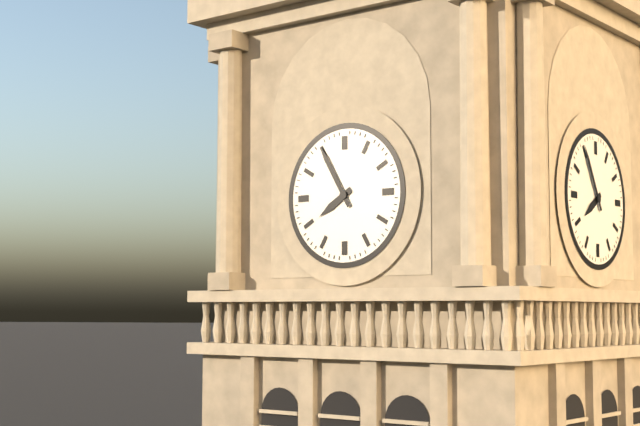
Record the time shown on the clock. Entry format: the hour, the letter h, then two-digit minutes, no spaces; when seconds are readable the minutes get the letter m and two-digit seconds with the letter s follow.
7h55
